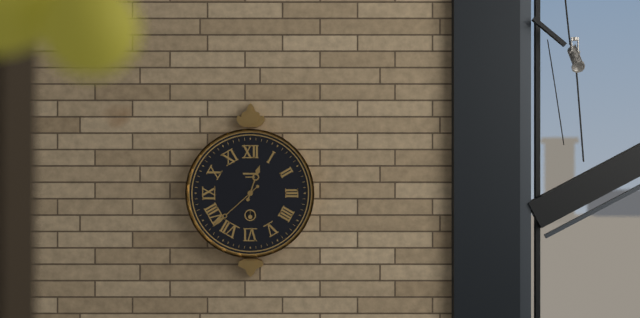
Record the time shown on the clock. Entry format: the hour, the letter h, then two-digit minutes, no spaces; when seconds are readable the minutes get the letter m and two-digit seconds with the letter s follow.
12h38
